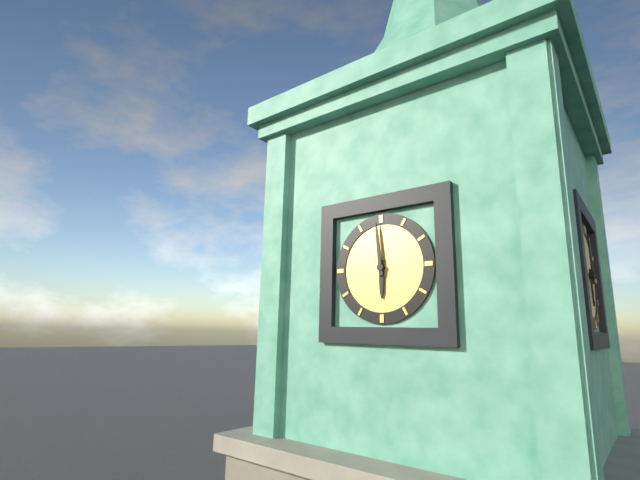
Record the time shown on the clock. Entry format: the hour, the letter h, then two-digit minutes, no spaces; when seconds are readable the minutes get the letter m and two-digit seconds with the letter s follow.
5h59
